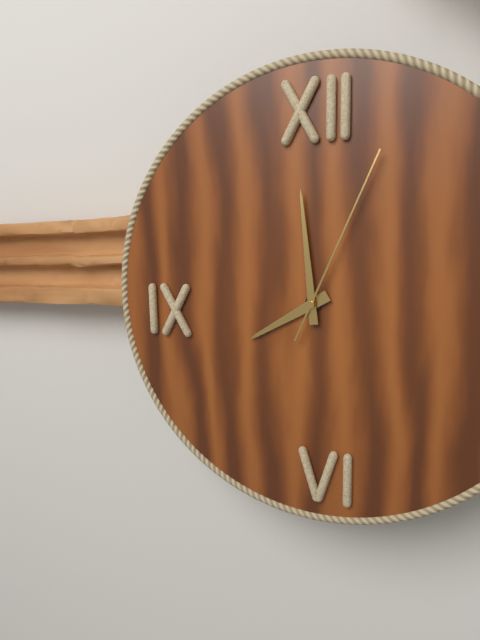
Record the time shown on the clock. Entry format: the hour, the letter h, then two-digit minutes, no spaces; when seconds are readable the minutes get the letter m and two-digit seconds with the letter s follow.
7h59m04s
